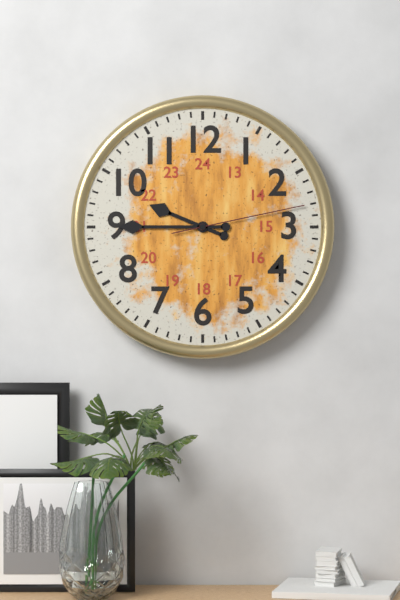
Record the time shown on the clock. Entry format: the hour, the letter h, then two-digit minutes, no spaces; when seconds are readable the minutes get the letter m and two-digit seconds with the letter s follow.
9h45m13s
